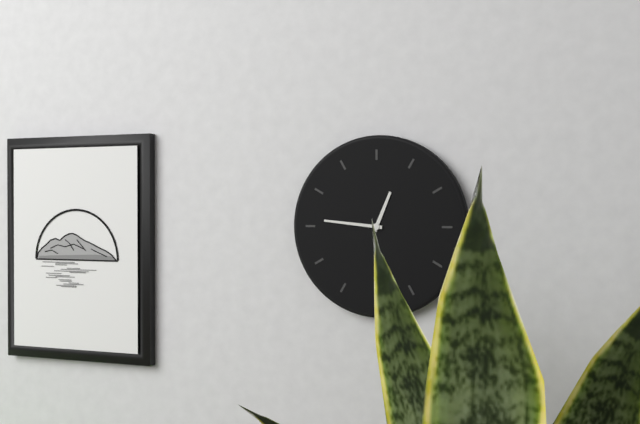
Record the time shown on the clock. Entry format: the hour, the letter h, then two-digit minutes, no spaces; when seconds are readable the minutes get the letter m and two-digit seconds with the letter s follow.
12h46
